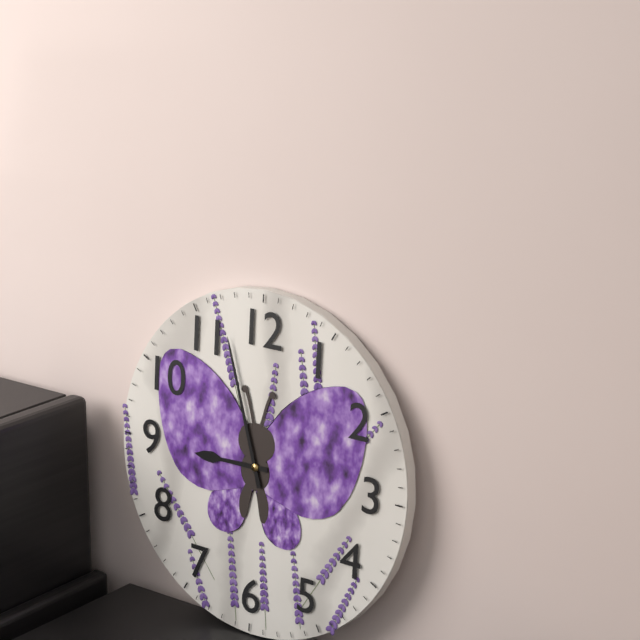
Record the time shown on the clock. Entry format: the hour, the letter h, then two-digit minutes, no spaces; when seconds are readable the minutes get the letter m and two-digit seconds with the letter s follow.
8h57
